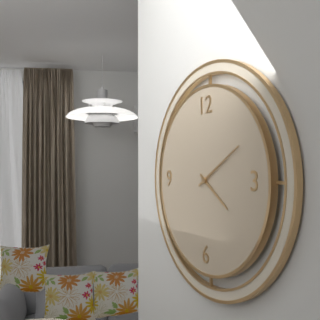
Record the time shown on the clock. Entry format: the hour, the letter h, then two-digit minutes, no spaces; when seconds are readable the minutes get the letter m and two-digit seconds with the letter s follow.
4h10
